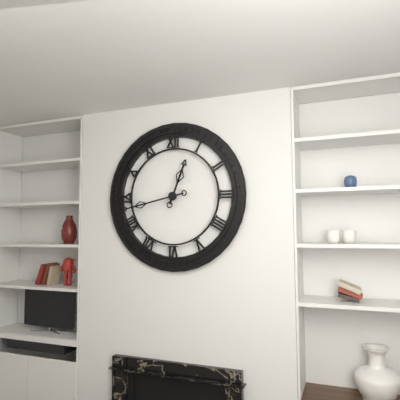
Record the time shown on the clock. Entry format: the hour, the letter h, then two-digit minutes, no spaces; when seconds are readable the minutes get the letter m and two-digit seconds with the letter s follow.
12h43
